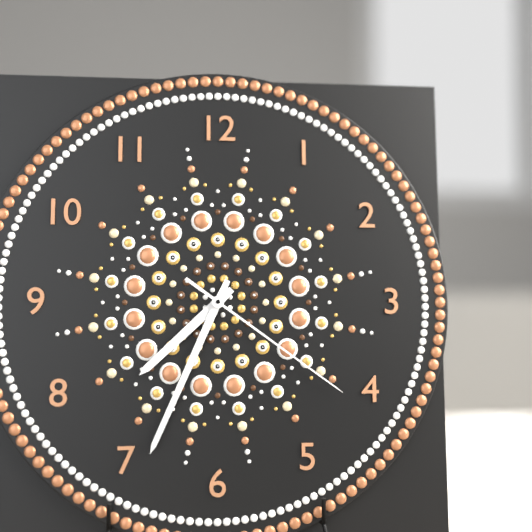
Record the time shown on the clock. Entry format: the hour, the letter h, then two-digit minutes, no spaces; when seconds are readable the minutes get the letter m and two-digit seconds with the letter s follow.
7h34m21s
